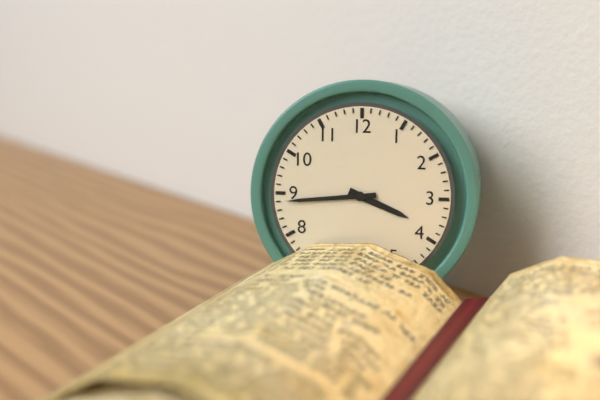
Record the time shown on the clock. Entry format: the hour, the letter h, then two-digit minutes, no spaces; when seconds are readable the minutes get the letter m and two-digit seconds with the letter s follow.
3h44
